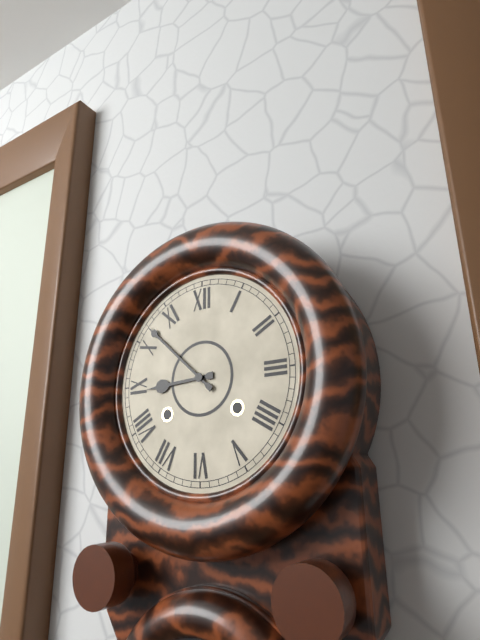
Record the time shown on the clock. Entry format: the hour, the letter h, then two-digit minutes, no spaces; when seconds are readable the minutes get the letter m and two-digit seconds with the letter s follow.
8h52
